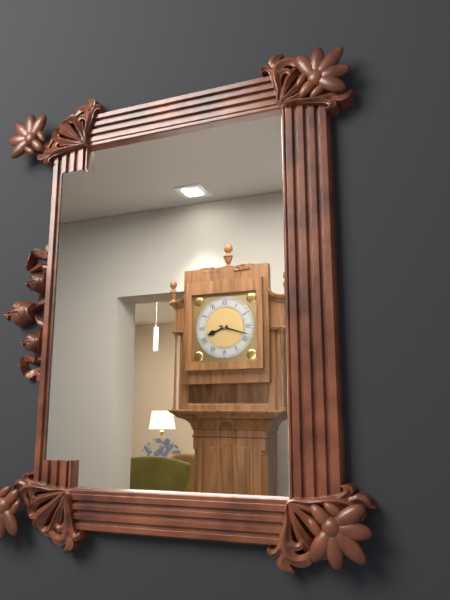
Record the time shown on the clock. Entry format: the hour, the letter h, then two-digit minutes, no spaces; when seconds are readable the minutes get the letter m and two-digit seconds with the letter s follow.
8h18
